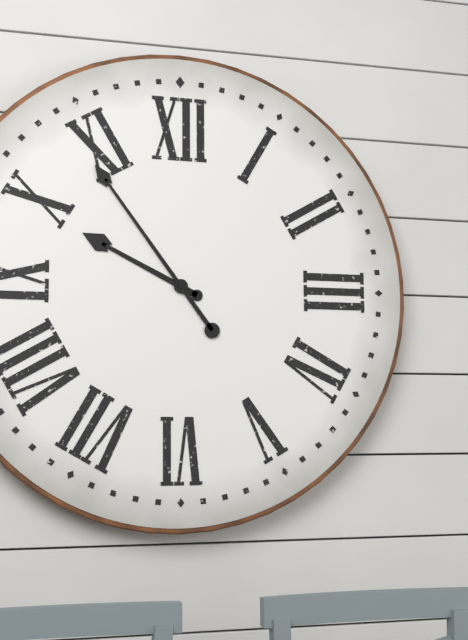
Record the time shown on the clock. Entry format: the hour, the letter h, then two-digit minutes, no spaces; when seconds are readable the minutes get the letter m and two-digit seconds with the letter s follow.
9h54
